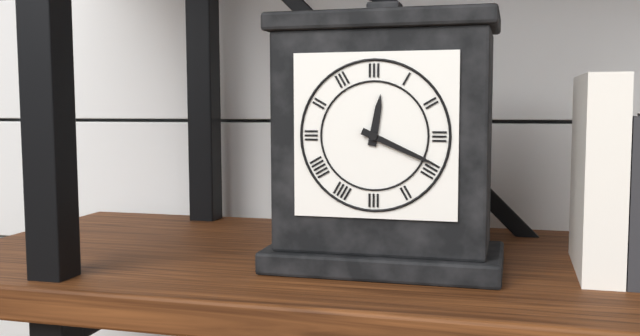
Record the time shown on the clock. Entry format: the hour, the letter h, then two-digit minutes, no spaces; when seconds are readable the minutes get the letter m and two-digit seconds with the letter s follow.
12h19
